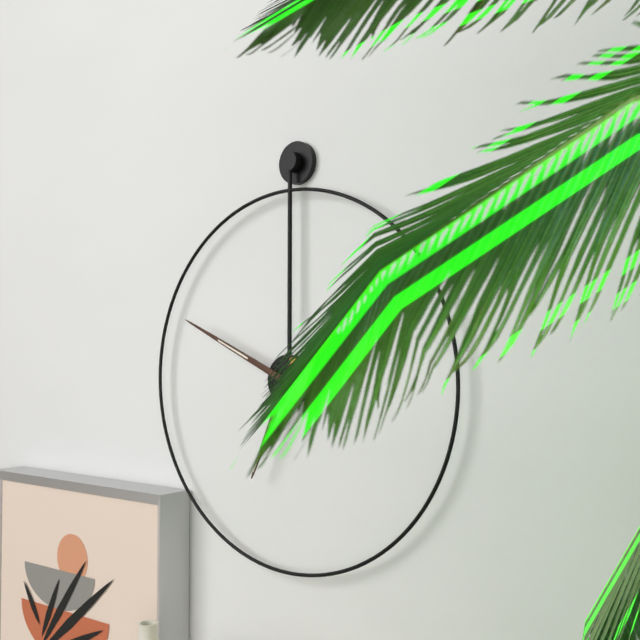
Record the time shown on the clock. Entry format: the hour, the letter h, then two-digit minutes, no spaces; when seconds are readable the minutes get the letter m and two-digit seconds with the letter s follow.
6h49
